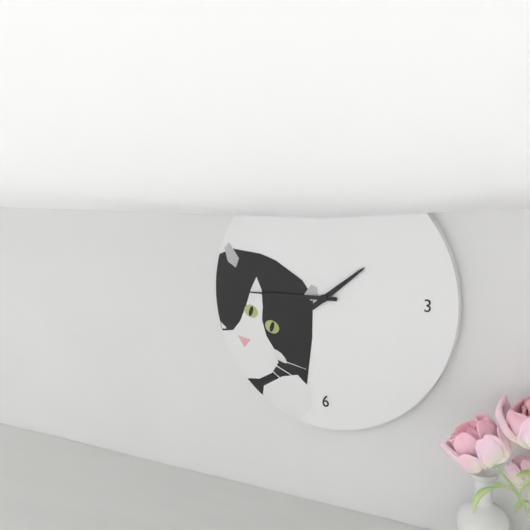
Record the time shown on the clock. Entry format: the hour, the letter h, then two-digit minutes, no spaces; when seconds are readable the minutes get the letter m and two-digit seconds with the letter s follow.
1h45
